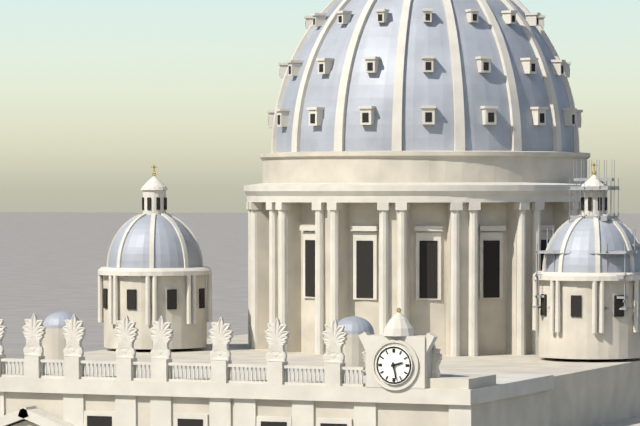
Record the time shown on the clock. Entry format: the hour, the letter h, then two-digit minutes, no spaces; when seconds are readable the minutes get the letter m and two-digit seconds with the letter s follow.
2h28
